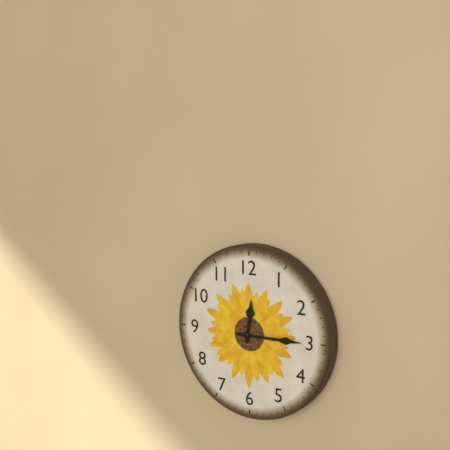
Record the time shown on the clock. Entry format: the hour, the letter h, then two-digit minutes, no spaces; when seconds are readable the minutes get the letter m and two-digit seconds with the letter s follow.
12h15
